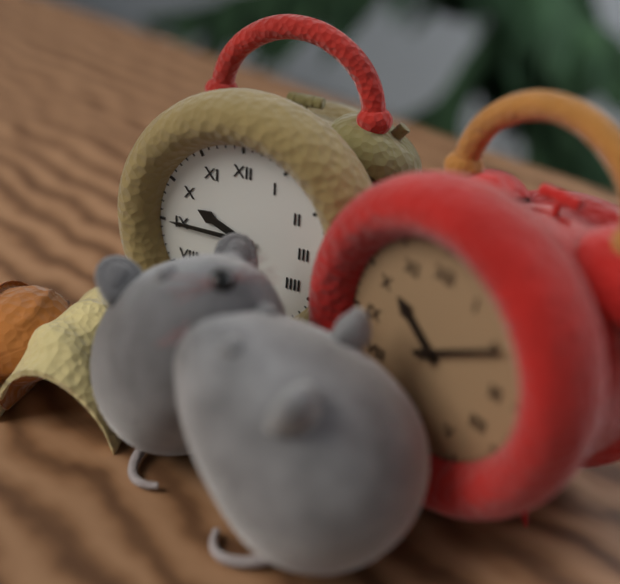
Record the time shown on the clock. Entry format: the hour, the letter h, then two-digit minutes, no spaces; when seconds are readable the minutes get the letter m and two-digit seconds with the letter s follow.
9h45
